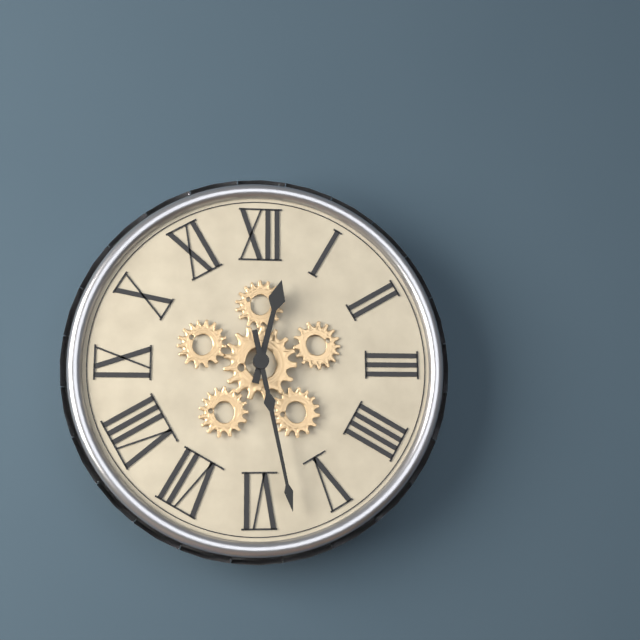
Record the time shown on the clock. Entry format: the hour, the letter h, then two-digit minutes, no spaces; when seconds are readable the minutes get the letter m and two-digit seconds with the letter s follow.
12h28
